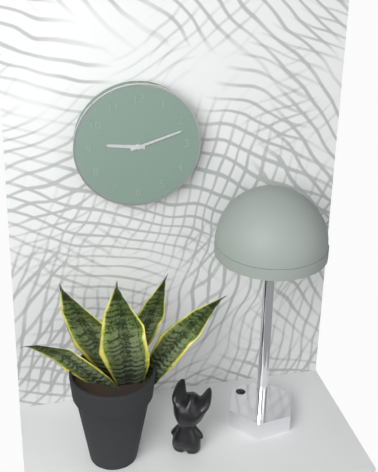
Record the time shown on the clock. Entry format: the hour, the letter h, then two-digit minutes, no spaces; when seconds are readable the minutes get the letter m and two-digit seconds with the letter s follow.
9h12
